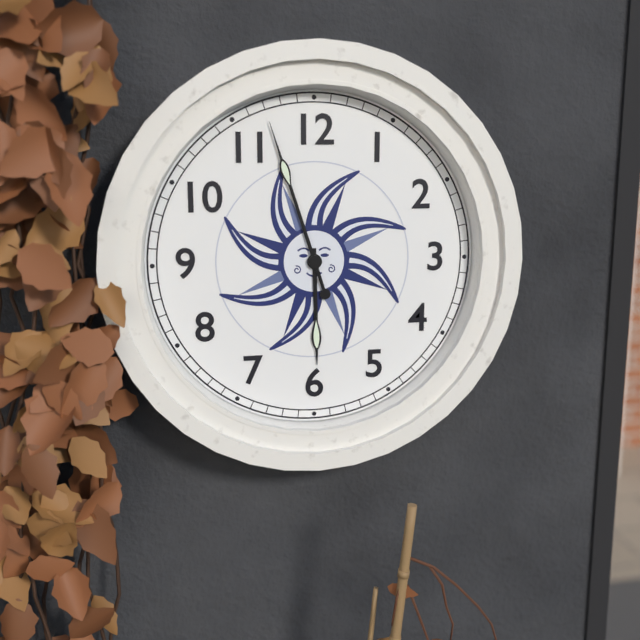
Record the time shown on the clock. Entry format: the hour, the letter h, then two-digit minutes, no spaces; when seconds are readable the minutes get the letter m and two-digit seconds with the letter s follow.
5h57
